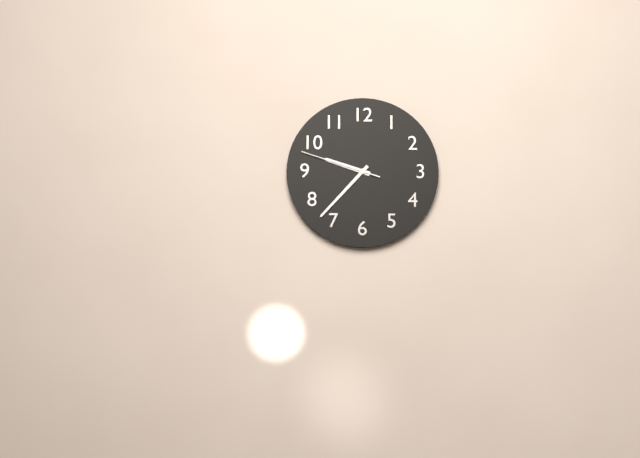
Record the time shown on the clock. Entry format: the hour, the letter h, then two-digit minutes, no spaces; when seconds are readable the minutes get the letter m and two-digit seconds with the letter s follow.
9h37m48s
